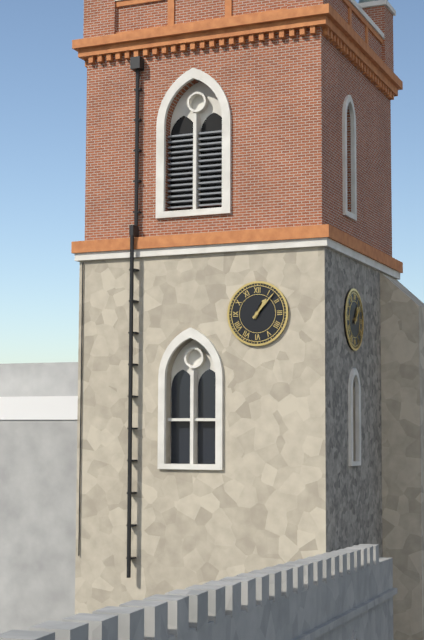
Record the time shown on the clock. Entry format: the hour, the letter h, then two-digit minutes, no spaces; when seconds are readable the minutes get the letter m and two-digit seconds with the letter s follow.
1h07
